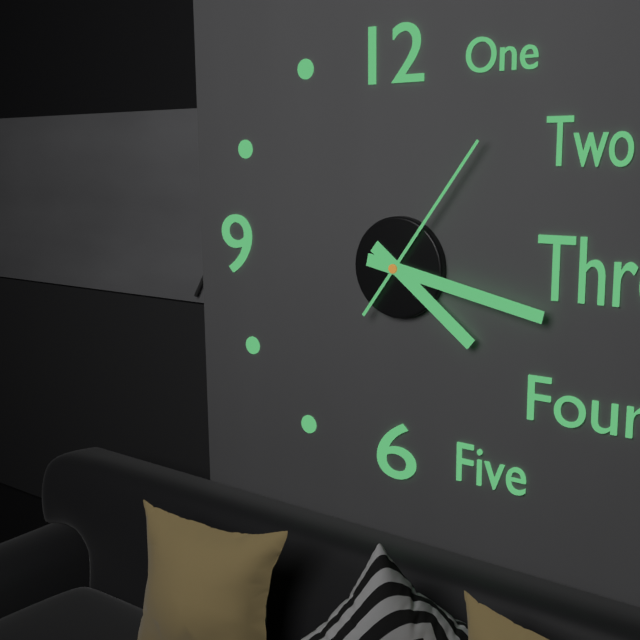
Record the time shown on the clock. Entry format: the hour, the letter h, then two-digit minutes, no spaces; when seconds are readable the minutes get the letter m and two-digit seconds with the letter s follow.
4h17m06s
